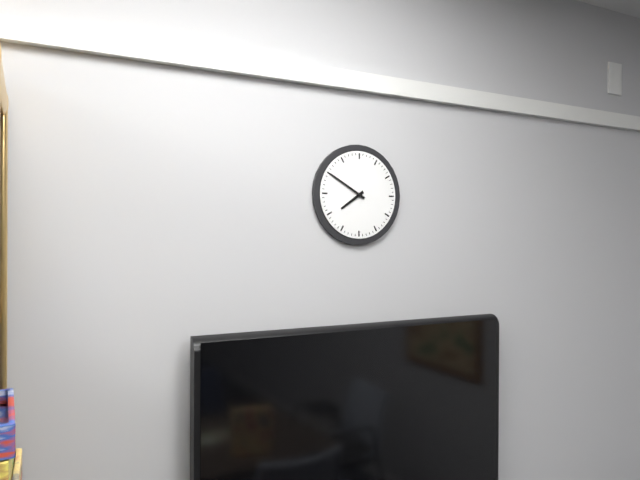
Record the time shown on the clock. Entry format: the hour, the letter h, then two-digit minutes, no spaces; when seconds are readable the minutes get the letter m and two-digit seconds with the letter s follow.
7h50
